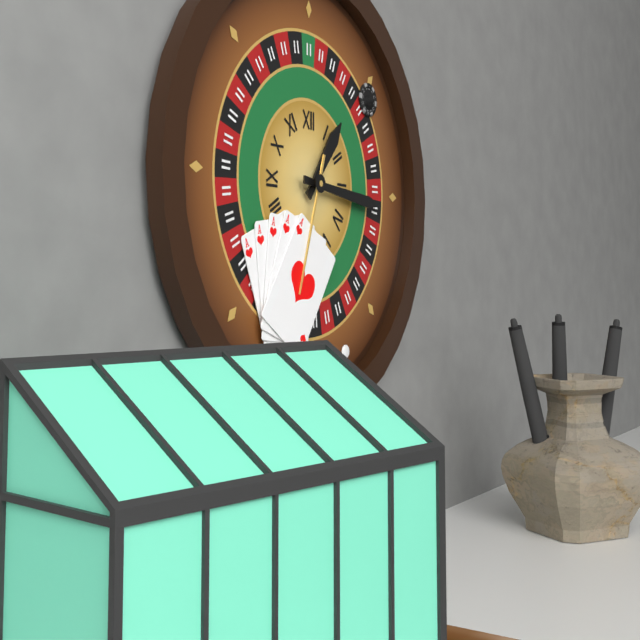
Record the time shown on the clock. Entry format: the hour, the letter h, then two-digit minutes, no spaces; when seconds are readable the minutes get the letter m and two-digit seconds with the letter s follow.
1h16m33s
